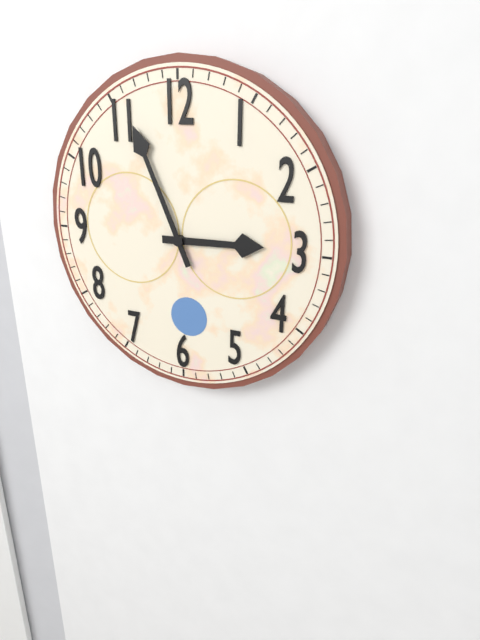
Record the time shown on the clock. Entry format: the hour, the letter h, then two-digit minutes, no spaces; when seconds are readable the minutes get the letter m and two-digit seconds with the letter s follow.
2h56
